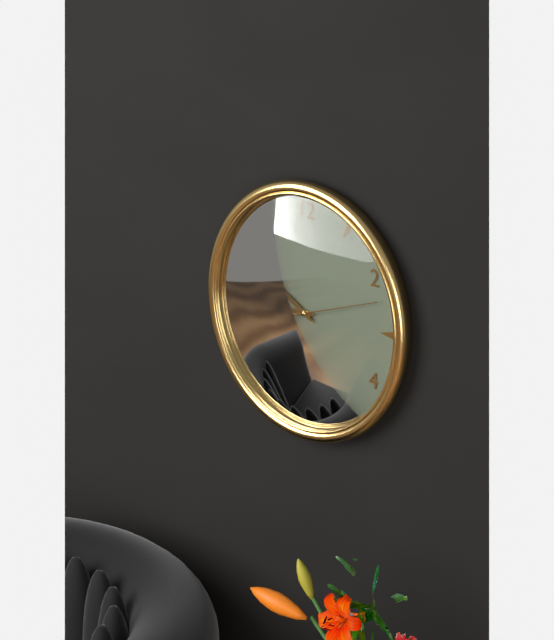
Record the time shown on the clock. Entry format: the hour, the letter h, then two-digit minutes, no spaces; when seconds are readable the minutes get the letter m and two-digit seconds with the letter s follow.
8h50m12s
